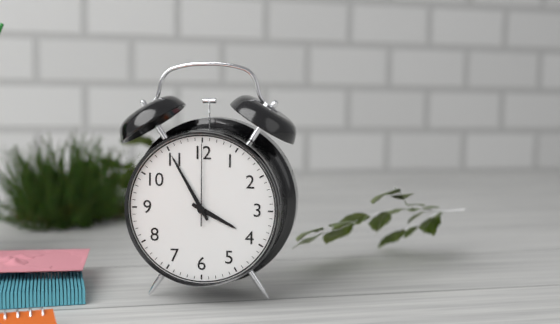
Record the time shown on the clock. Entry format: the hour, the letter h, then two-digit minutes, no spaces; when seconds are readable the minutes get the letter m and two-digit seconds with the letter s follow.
3h55m00s
